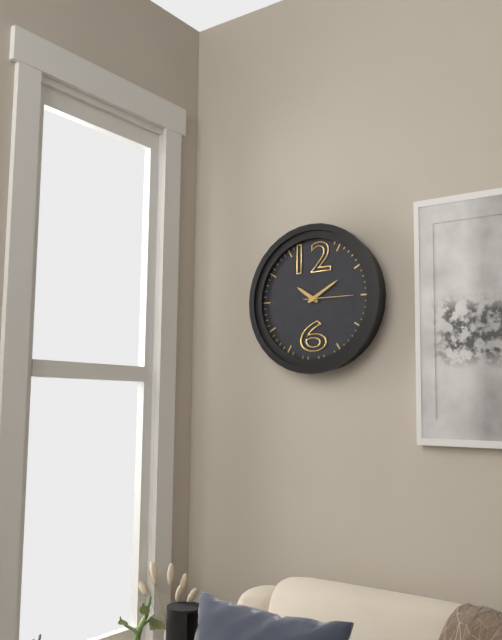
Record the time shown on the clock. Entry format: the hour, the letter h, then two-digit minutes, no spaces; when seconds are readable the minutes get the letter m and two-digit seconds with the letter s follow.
10h10m15s
